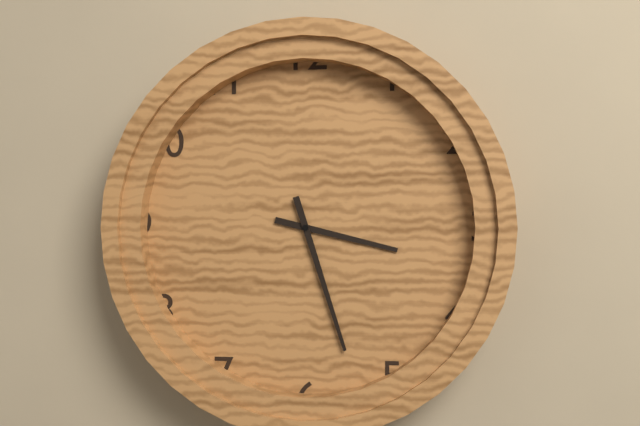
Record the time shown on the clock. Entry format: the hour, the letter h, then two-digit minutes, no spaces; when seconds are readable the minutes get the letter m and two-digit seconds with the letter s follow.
3h27
